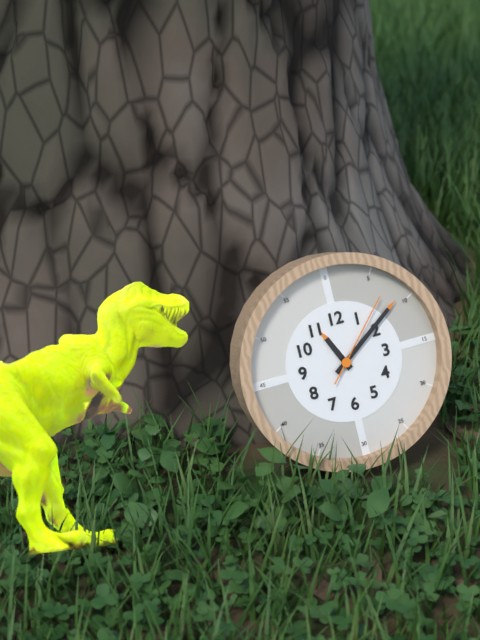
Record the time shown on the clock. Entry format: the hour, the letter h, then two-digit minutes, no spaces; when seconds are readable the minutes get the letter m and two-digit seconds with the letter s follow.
11h09m07s
